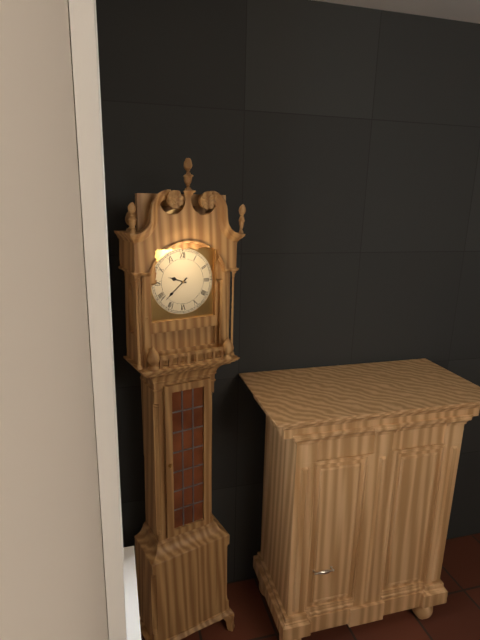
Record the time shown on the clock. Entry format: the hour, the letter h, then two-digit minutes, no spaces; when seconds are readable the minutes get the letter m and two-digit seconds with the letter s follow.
9h38
